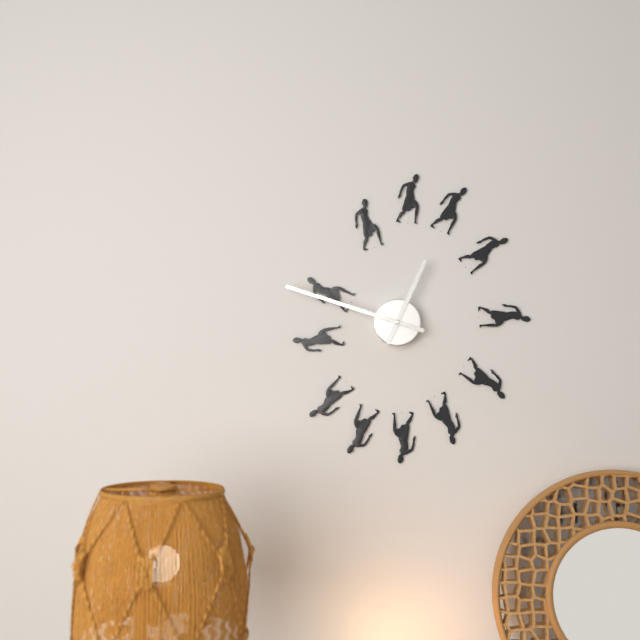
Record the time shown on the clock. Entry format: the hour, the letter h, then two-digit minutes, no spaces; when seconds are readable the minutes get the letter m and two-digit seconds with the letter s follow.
12h48
